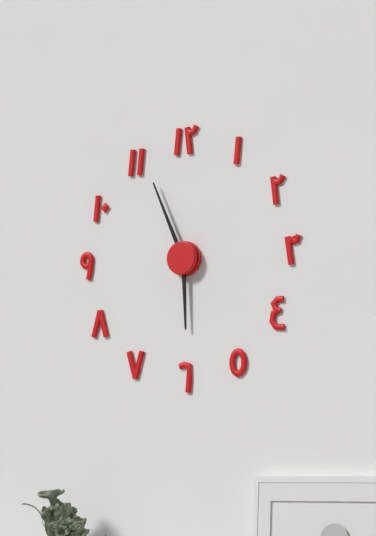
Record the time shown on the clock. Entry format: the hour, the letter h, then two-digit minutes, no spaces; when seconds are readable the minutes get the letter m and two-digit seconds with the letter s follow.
5h56
